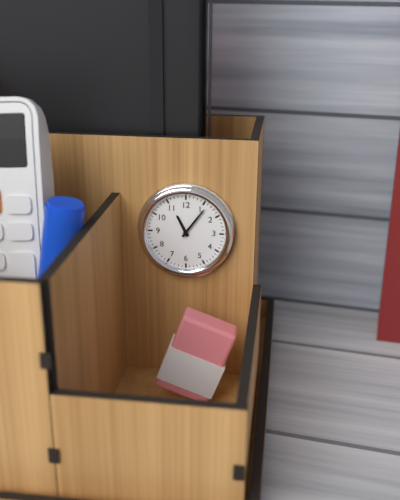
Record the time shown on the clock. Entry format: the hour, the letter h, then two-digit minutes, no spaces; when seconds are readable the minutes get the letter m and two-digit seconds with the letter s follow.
11h06
